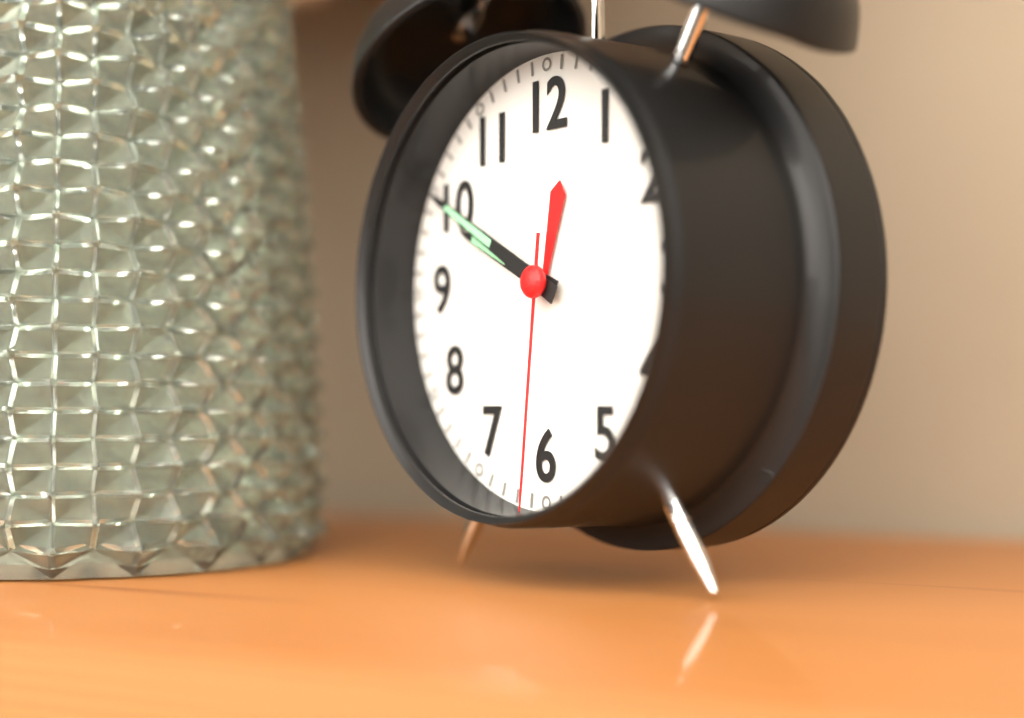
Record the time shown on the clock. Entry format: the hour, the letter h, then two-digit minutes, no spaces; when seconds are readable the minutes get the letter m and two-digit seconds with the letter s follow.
9h50m31s
